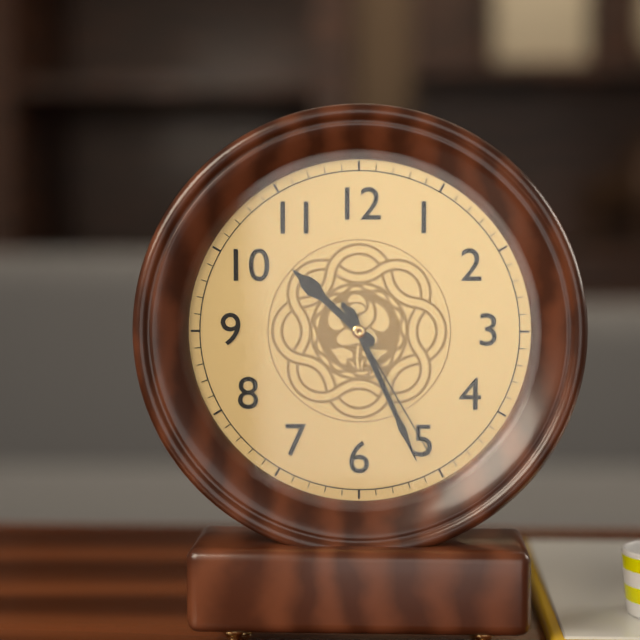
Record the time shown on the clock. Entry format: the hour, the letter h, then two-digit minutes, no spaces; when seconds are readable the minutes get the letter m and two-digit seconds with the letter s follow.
10h26m25s
